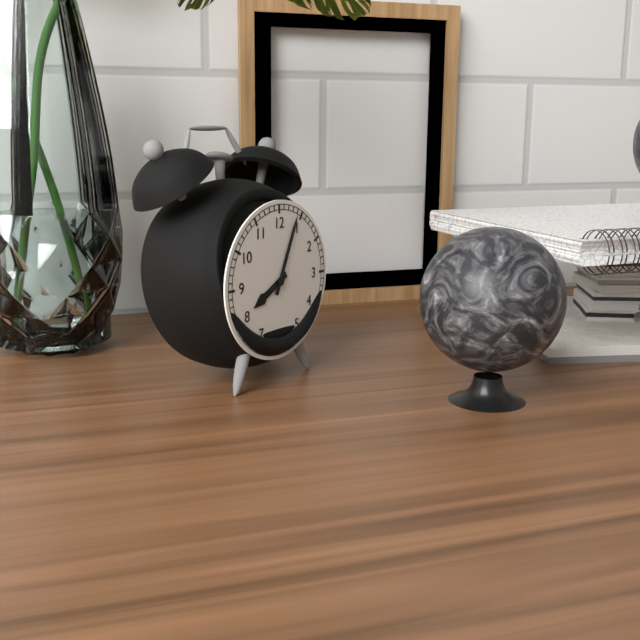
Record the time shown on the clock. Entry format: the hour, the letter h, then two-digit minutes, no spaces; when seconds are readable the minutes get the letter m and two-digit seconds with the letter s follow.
8h04
